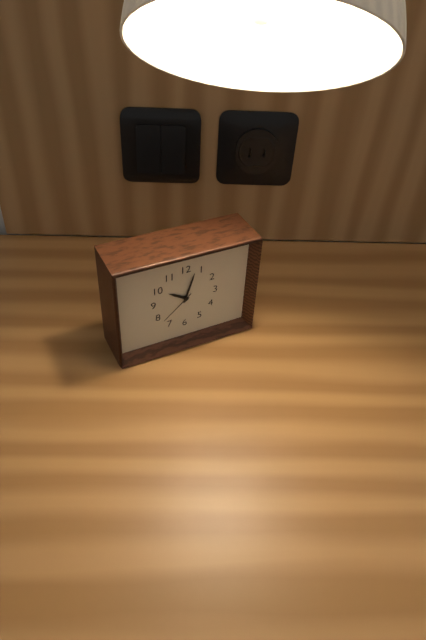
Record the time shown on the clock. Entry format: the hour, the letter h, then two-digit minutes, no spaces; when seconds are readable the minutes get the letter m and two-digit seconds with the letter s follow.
10h03m38s
